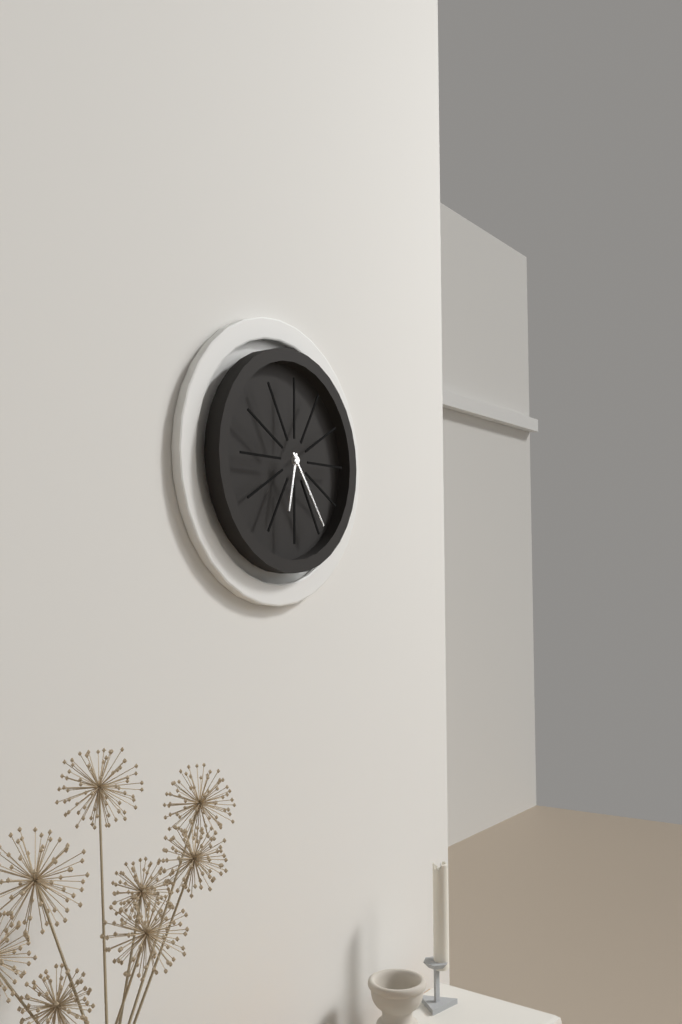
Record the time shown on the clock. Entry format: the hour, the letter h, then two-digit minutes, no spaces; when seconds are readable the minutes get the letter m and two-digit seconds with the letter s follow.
6h24
